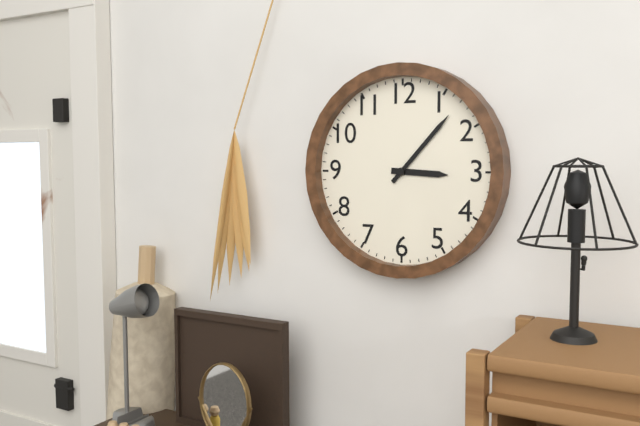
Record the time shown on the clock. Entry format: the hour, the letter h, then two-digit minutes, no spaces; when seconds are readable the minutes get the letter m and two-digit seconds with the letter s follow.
3h07
